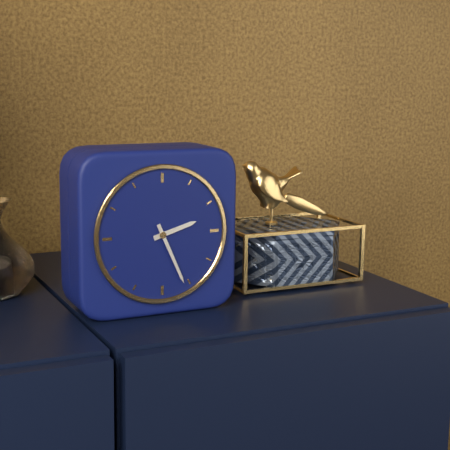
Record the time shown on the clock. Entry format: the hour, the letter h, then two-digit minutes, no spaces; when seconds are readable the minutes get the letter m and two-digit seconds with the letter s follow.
2h26
